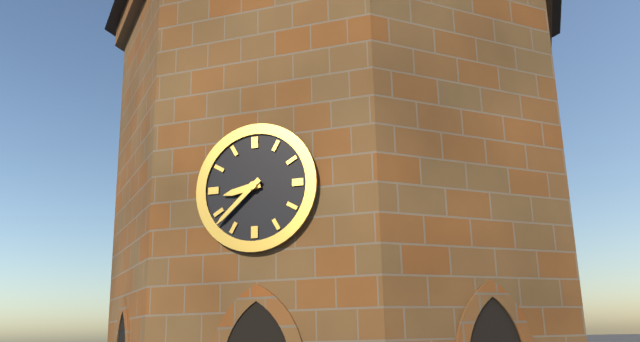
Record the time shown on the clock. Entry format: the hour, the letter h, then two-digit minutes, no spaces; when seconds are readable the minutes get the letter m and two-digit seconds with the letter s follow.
8h38
